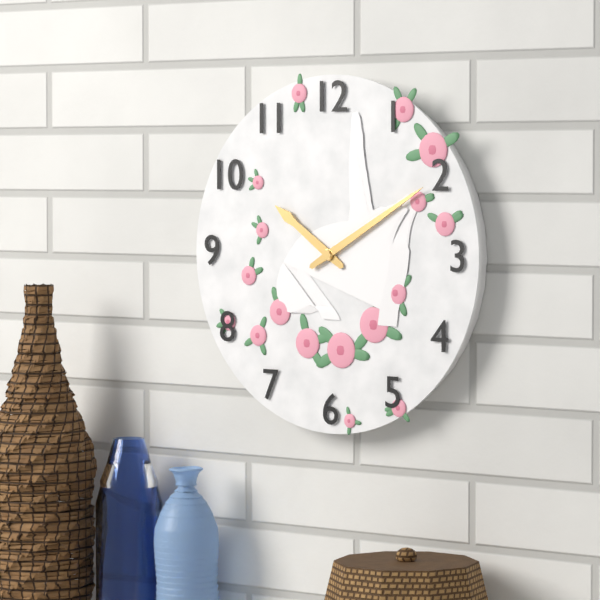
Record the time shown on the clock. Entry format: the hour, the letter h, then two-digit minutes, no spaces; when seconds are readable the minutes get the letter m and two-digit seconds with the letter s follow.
10h10
